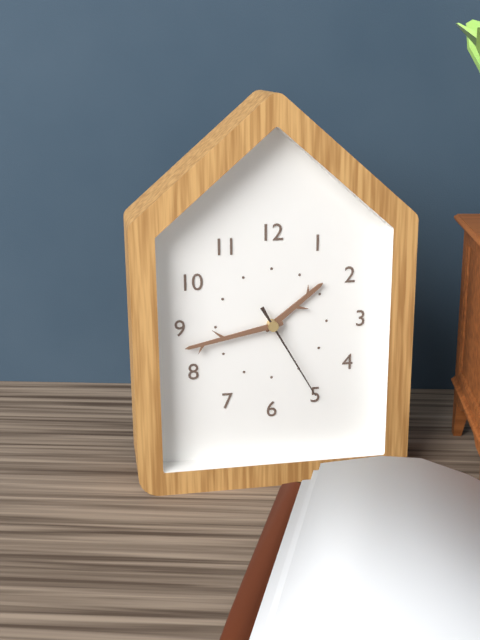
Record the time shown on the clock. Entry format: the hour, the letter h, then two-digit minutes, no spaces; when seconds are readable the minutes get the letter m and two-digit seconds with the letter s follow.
1h43m25s
